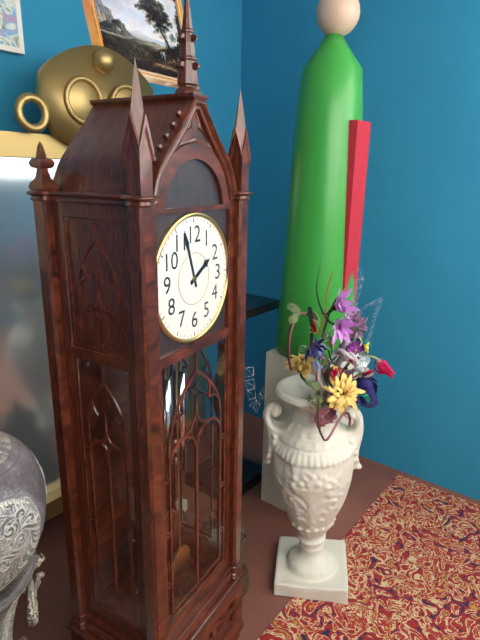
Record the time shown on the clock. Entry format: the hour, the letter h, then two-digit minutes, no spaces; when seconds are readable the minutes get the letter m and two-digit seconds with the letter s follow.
1h57
